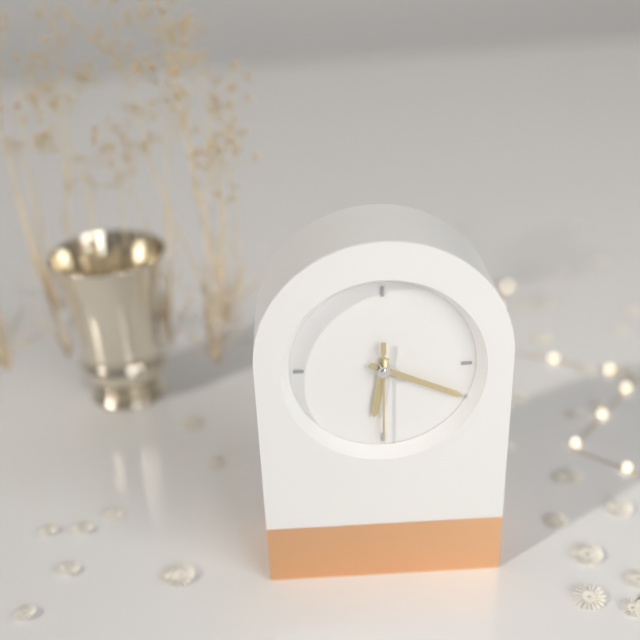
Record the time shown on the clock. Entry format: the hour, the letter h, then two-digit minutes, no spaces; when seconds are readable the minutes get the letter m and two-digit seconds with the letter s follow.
6h19m30s
